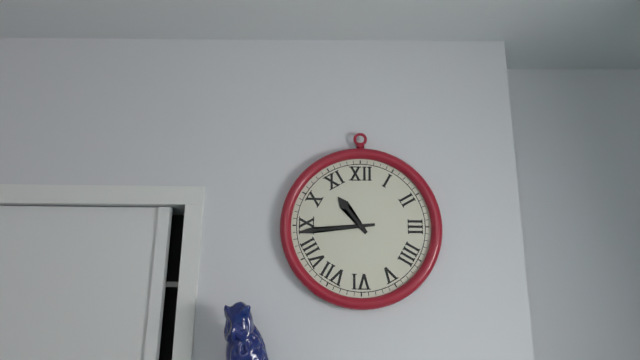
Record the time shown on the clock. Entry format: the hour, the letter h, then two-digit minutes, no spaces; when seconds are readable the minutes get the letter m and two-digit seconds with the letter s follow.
10h44
